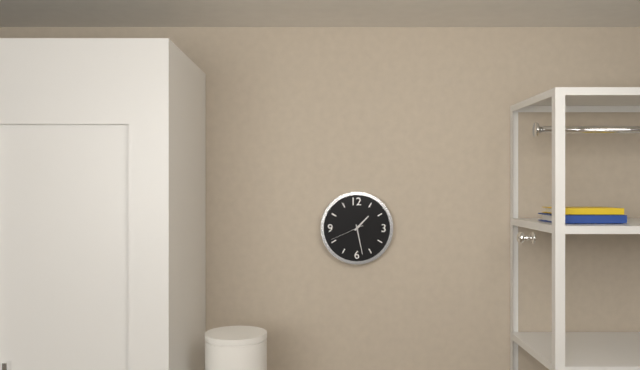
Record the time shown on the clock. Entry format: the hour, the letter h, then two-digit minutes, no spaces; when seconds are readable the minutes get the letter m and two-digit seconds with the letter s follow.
1h28
